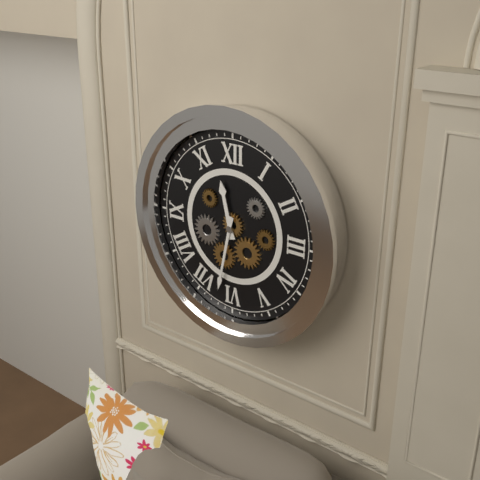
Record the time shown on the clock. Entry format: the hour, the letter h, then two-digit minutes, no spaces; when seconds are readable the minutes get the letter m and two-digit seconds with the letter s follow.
11h32
